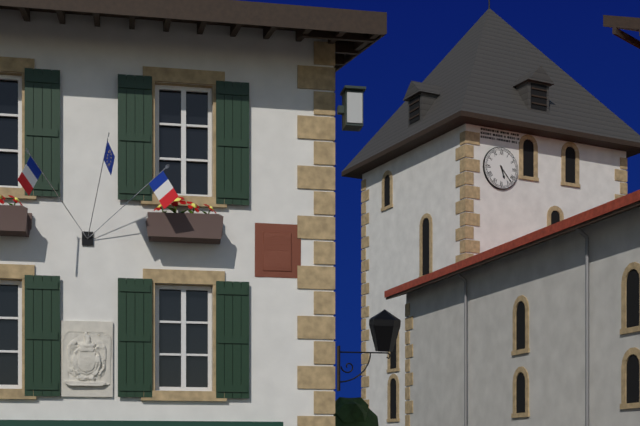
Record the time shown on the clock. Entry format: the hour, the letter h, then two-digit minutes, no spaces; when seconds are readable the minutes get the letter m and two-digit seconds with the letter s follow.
5h23
